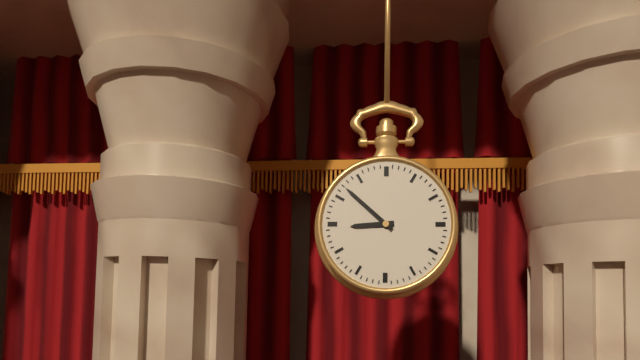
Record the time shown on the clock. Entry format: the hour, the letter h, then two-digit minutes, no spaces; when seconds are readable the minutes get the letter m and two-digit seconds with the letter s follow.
8h52
